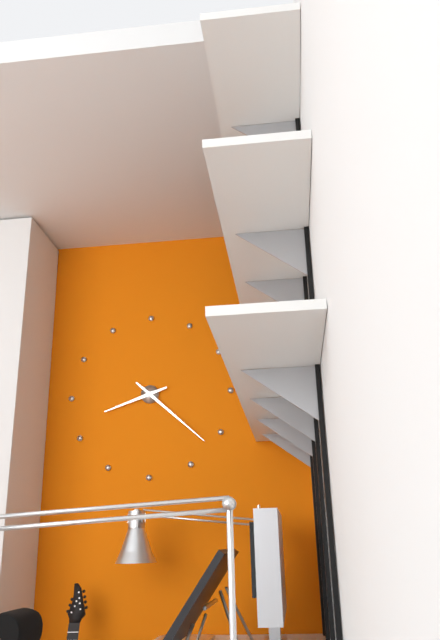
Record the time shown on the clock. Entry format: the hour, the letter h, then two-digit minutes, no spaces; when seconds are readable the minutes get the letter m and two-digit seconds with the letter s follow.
8h22
